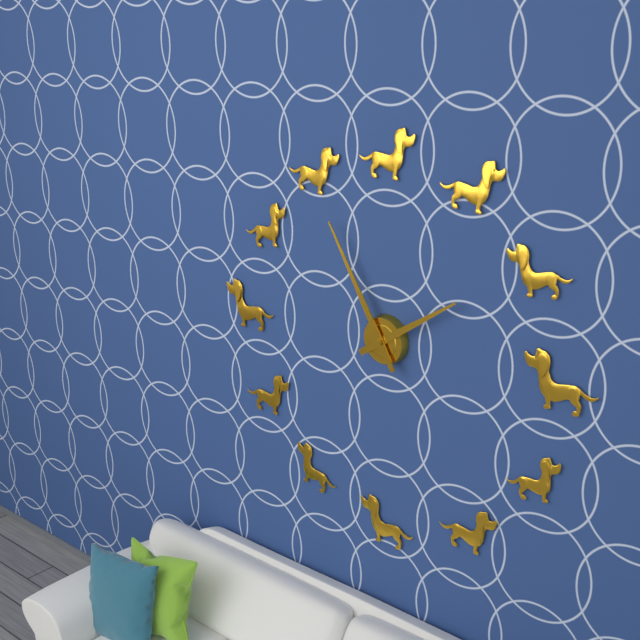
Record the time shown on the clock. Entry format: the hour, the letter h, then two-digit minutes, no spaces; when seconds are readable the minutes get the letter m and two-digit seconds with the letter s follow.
1h55
